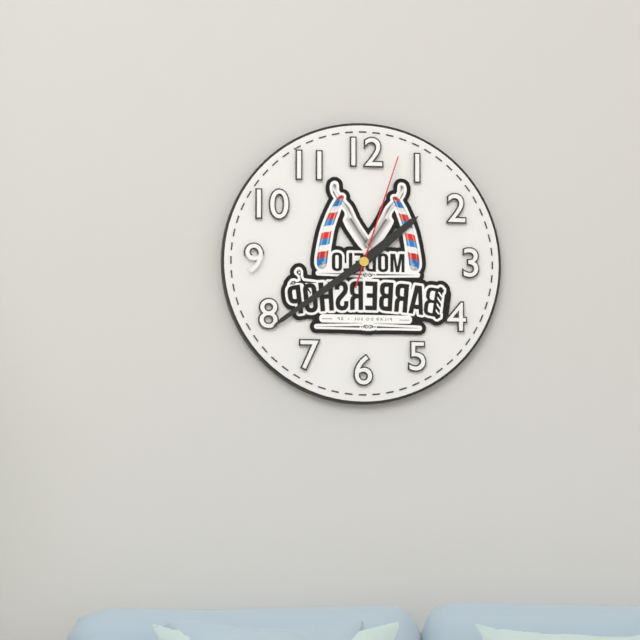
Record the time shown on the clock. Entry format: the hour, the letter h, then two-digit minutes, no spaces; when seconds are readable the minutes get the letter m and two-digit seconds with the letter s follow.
1h39m03s
